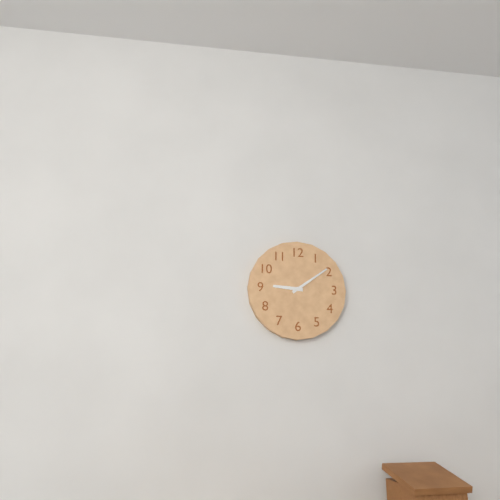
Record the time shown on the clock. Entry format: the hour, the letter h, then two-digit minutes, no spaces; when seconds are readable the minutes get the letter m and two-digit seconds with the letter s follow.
9h09
